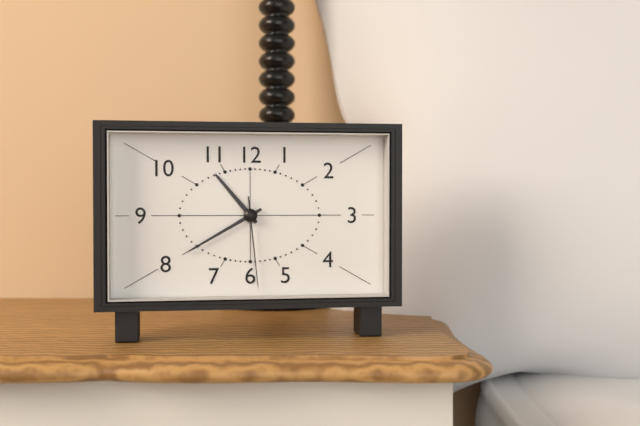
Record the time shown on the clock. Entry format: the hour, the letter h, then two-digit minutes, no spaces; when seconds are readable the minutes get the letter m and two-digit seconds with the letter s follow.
10h40m29s
